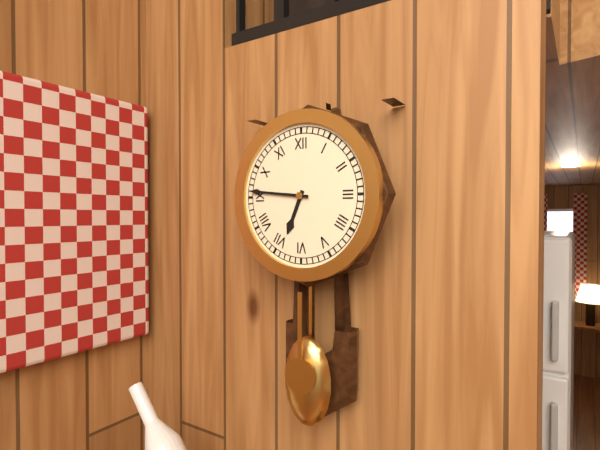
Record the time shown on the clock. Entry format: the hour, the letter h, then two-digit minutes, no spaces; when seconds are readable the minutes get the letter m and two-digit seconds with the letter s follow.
6h46
